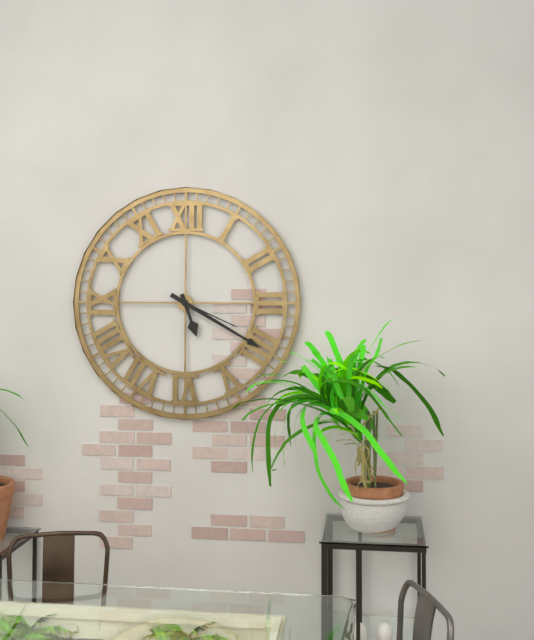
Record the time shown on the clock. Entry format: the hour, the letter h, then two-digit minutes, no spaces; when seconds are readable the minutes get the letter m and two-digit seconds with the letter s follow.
5h20m19s
